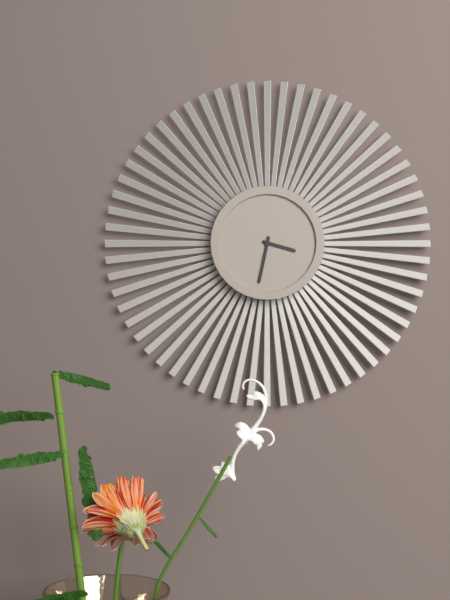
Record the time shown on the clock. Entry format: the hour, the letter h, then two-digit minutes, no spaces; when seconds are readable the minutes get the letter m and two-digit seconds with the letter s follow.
3h32
